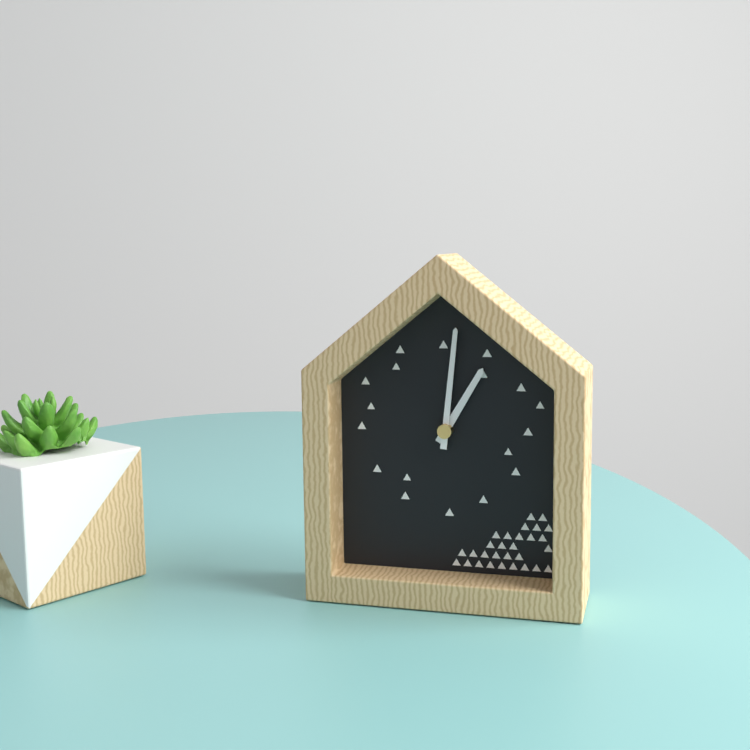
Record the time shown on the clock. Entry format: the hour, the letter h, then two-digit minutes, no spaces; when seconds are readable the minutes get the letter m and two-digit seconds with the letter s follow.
1h01
